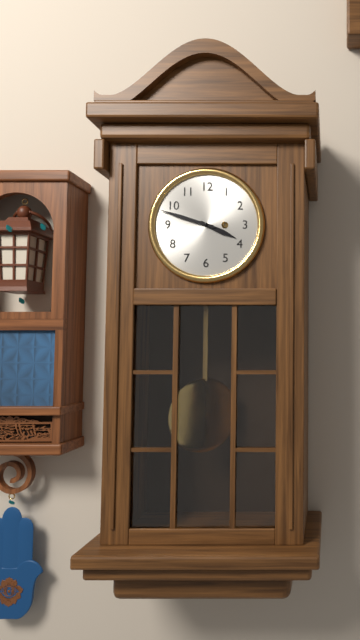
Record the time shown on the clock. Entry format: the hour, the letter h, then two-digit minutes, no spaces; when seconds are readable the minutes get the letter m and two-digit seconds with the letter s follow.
3h48
